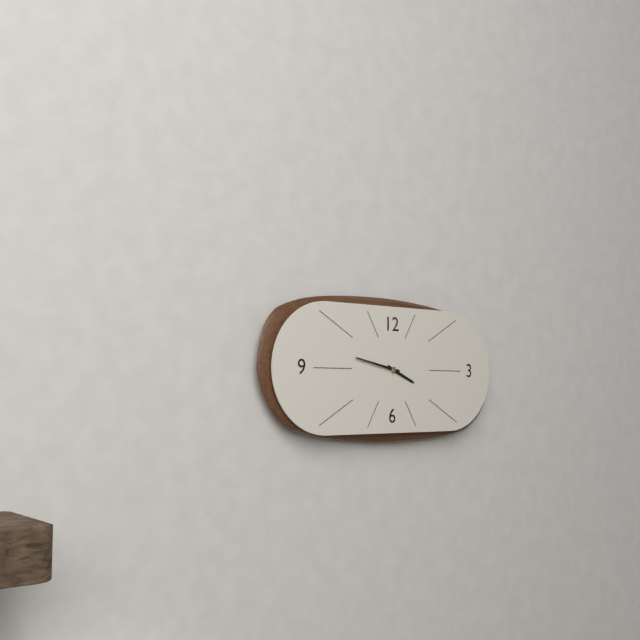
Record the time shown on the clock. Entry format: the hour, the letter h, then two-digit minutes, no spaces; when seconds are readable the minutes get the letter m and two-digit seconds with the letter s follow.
3h47
